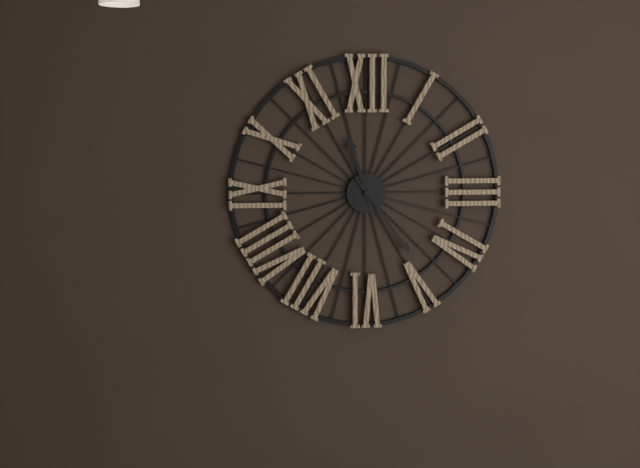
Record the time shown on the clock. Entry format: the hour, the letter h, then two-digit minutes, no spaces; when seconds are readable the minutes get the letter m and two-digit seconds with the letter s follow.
11h24
